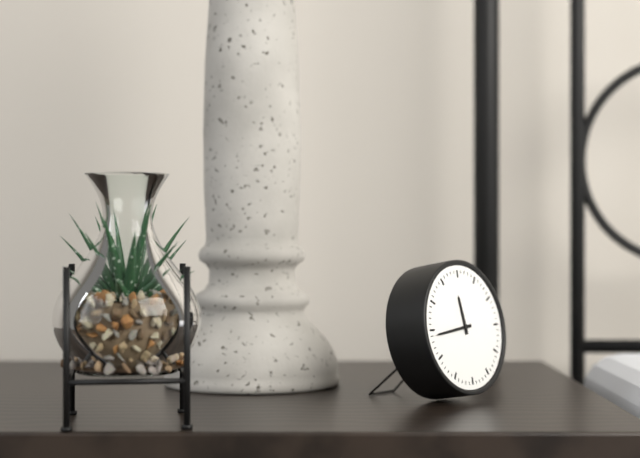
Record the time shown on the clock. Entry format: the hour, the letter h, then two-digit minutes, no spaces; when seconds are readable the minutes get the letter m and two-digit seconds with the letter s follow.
11h44
